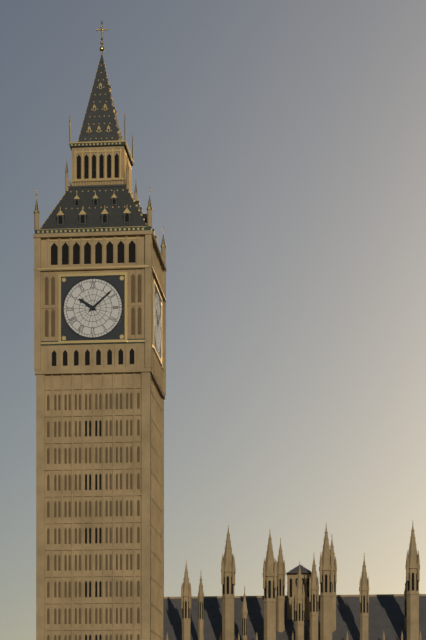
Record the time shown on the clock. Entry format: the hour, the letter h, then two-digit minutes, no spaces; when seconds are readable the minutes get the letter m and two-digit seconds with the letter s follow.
10h08
